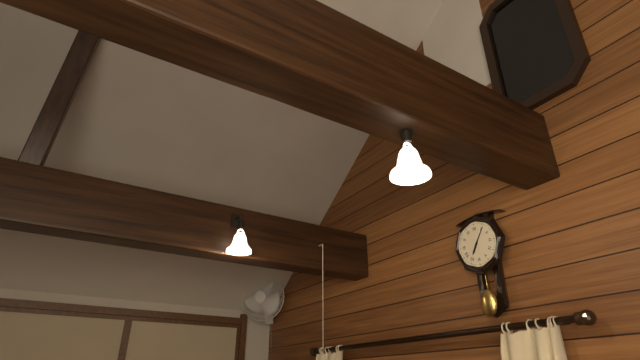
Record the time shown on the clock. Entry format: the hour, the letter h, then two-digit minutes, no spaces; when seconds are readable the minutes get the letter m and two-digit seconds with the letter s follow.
7h06
